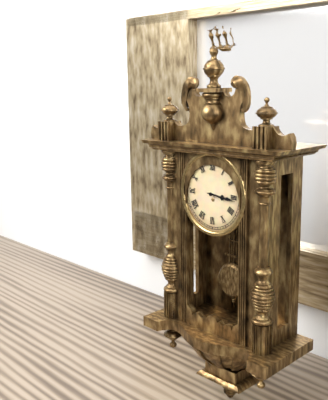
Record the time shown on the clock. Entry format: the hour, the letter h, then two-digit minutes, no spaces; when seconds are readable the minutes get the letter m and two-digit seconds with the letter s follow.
3h16
